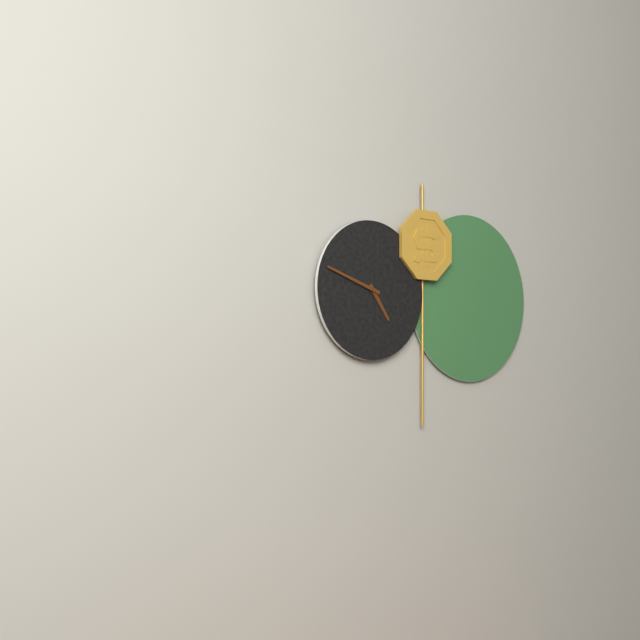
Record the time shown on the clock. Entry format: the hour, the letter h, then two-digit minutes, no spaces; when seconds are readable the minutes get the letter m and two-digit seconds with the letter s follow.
4h48
